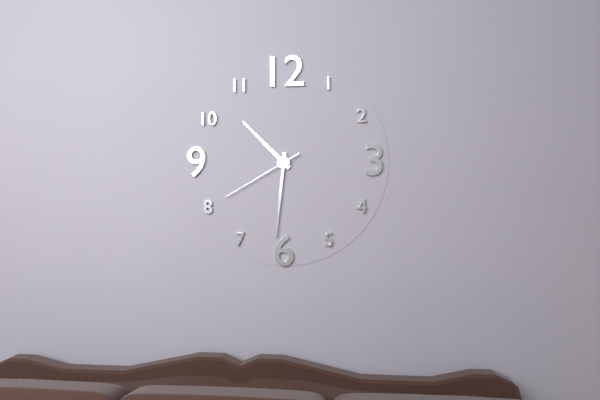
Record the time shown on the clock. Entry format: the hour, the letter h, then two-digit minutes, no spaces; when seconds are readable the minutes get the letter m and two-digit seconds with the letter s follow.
10h31m40s
